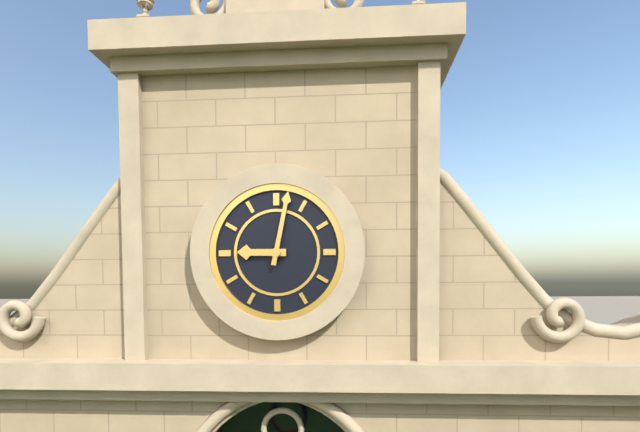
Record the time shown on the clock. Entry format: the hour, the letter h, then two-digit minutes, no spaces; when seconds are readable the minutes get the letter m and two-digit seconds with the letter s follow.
9h02
